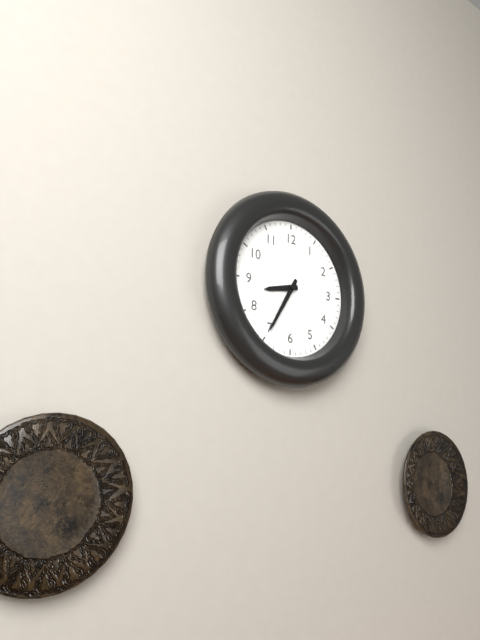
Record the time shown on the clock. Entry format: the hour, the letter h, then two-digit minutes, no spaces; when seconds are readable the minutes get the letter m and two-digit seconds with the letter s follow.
8h35
